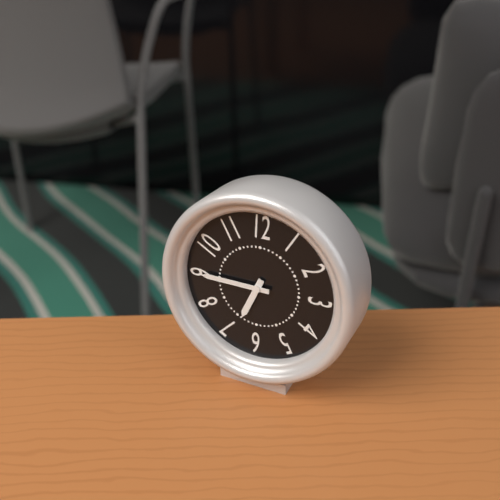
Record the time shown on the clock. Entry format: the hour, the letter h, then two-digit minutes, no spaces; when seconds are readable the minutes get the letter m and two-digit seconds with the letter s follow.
6h45
